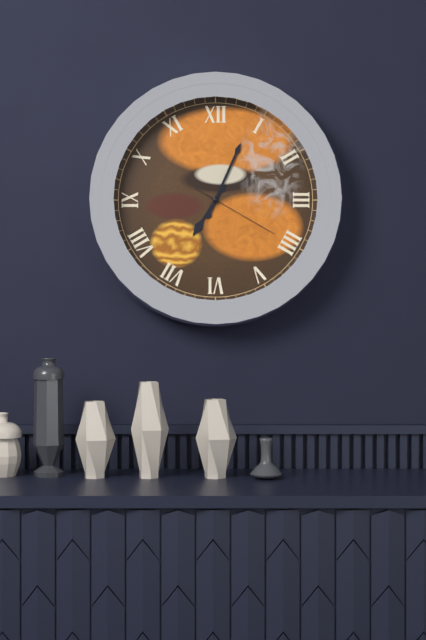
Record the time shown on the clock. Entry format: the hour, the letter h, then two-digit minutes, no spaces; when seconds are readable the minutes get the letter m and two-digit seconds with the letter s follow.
7h04m20s
